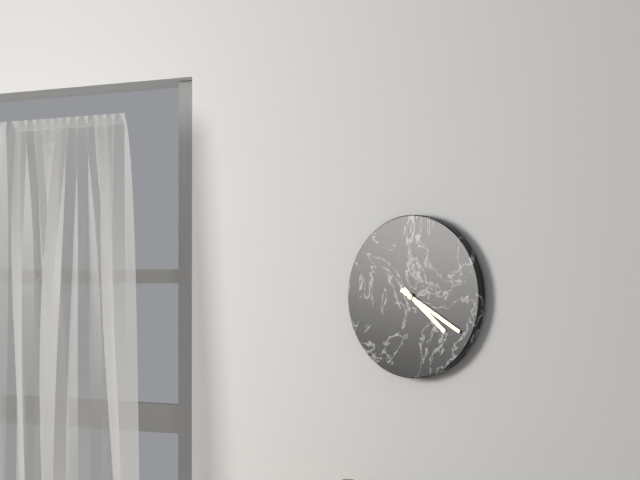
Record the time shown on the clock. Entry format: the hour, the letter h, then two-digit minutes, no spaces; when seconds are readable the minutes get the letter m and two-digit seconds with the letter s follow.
4h20
